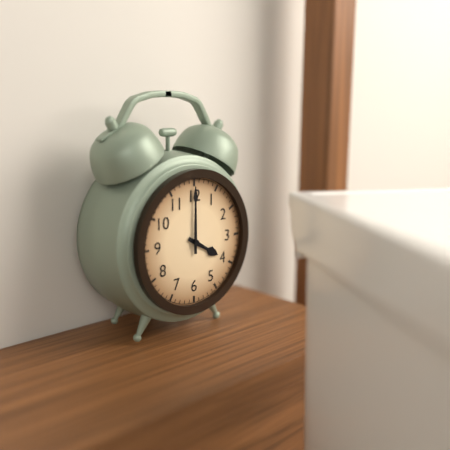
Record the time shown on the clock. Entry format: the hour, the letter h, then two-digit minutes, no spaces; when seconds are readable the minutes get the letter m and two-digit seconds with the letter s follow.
4h00
